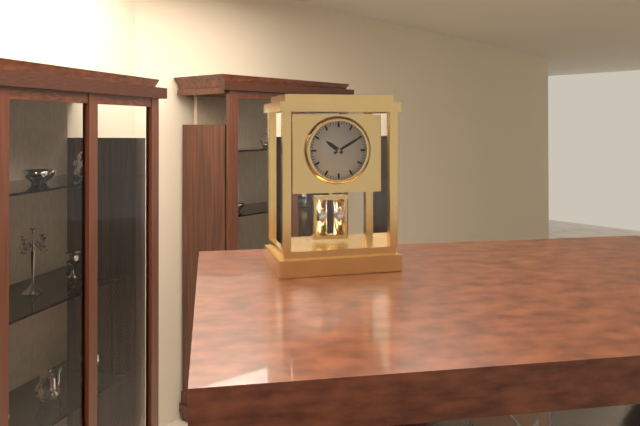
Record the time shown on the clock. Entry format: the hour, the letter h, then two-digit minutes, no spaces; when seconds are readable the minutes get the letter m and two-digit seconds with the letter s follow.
10h10
